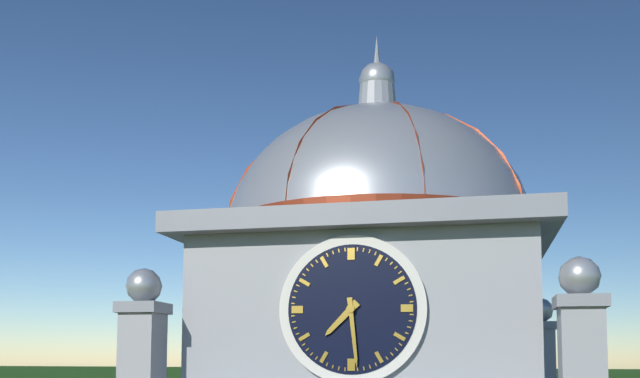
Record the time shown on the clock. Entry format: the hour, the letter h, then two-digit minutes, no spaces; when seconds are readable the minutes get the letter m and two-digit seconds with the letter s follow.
7h29
